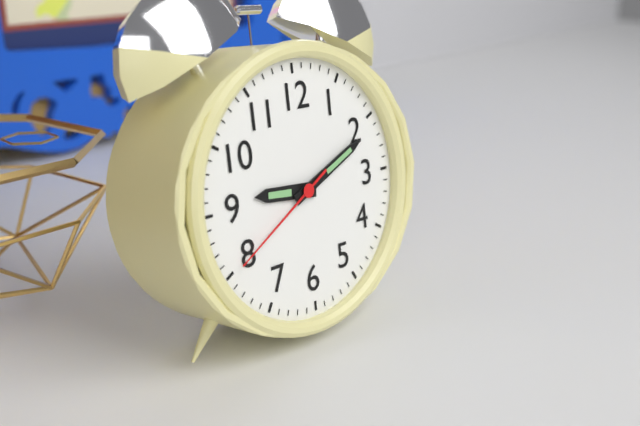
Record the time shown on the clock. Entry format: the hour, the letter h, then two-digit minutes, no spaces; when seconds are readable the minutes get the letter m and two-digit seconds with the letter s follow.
9h11m40s
